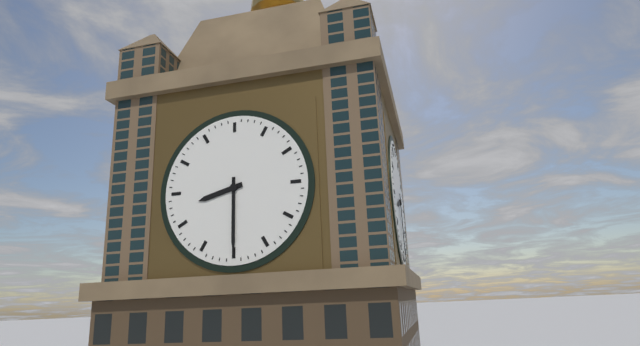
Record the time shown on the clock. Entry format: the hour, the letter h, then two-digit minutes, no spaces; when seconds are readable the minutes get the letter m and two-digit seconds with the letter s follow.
8h30
